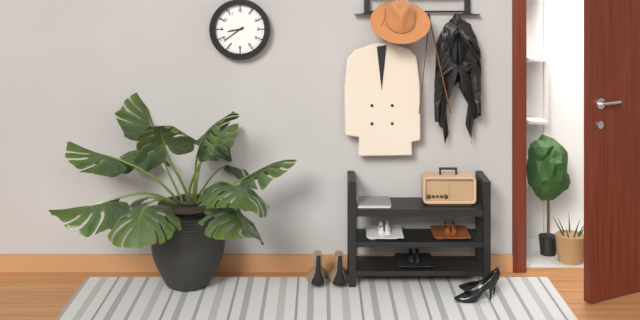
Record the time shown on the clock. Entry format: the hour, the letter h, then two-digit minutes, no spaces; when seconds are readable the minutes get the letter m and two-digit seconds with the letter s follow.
8h39
